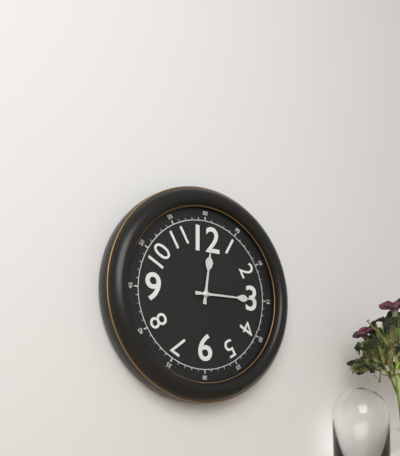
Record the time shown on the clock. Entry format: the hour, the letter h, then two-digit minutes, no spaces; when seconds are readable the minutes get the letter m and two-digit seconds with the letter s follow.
12h15
